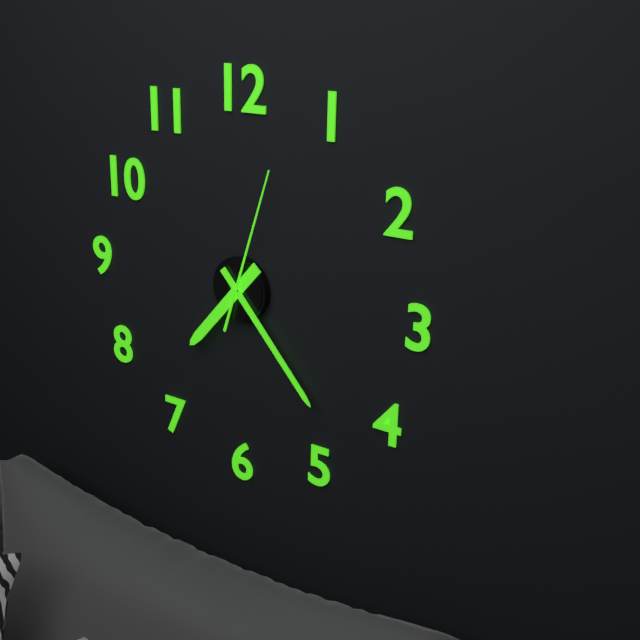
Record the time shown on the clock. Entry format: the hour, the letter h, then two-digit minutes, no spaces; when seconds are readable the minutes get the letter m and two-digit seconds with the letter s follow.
7h23m03s
